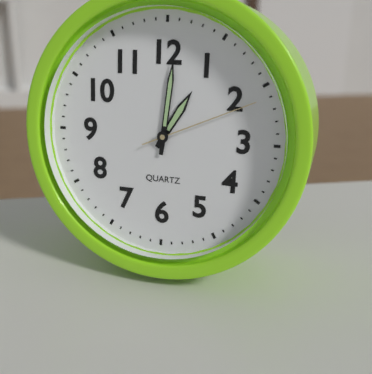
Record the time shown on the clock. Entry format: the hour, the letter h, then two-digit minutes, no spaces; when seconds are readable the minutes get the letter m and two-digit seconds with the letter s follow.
1h01m11s
